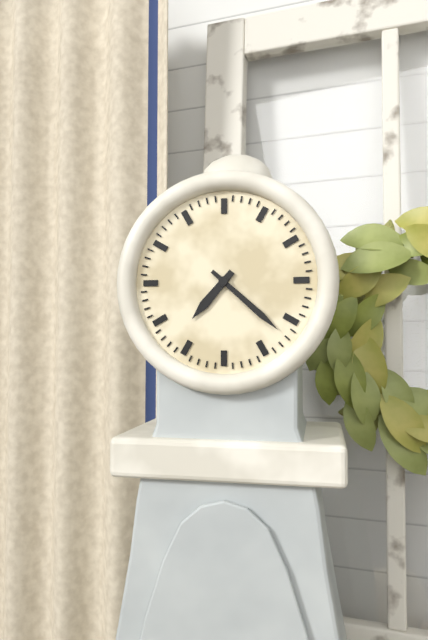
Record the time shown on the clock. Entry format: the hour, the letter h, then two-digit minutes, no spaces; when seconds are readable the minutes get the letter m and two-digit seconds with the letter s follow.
7h22
